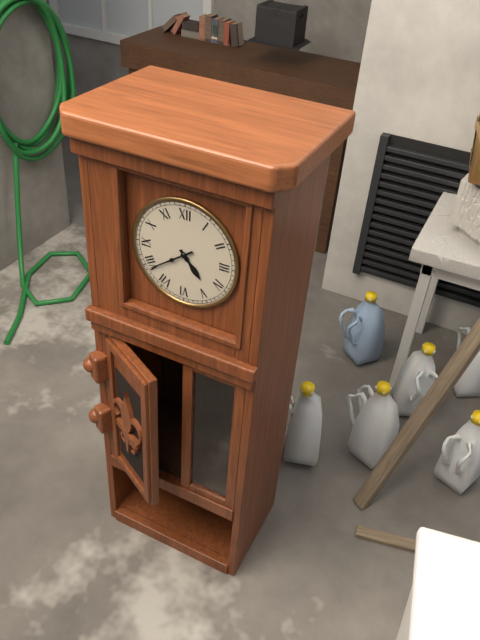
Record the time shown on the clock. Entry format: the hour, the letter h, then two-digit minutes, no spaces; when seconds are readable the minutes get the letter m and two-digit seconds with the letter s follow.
4h39
